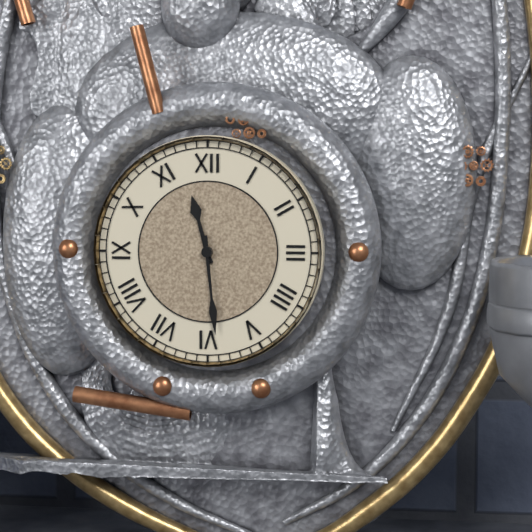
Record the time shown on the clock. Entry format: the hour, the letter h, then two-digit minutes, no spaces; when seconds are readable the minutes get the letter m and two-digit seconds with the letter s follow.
11h29
